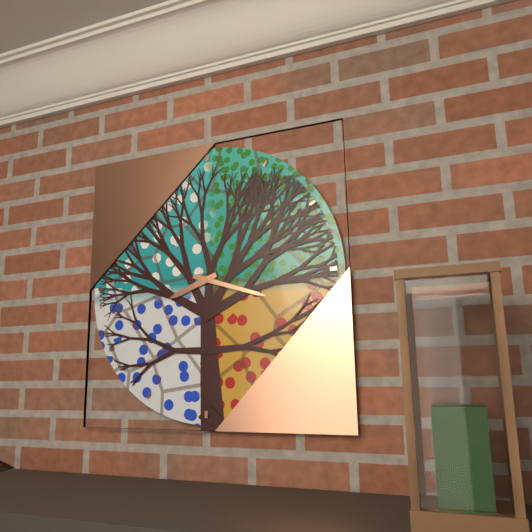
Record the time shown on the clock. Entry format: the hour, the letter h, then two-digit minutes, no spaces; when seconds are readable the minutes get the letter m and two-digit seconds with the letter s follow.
8h18
